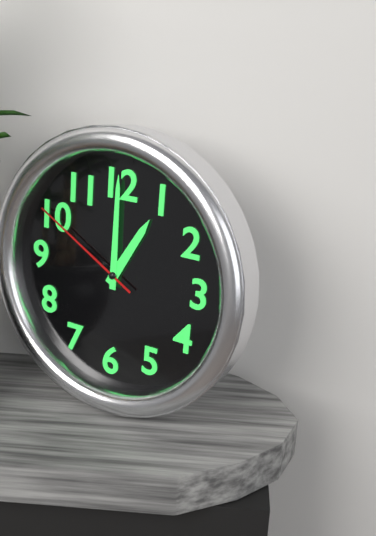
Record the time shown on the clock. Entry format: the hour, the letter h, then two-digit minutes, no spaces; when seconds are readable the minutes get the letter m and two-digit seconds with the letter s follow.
1h00m50s
